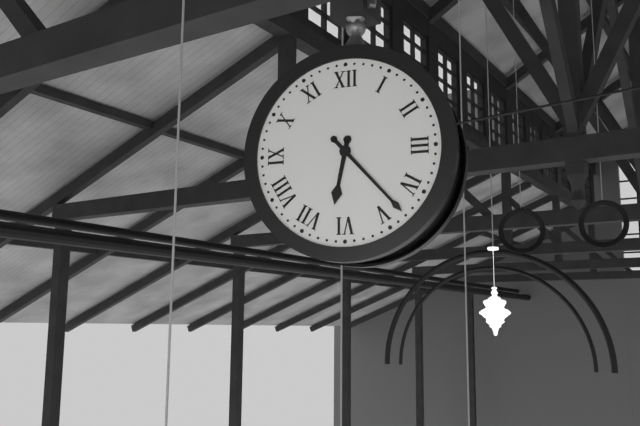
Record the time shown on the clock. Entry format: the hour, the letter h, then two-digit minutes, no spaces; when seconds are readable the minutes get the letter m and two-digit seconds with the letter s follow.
6h23
